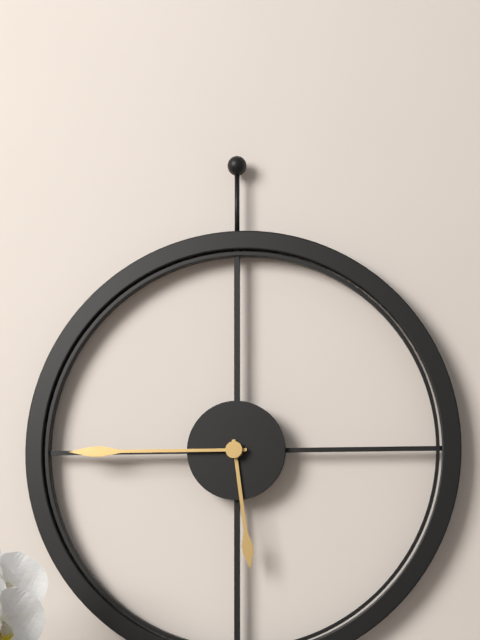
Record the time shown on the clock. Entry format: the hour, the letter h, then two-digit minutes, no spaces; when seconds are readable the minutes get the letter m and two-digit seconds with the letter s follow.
5h45
